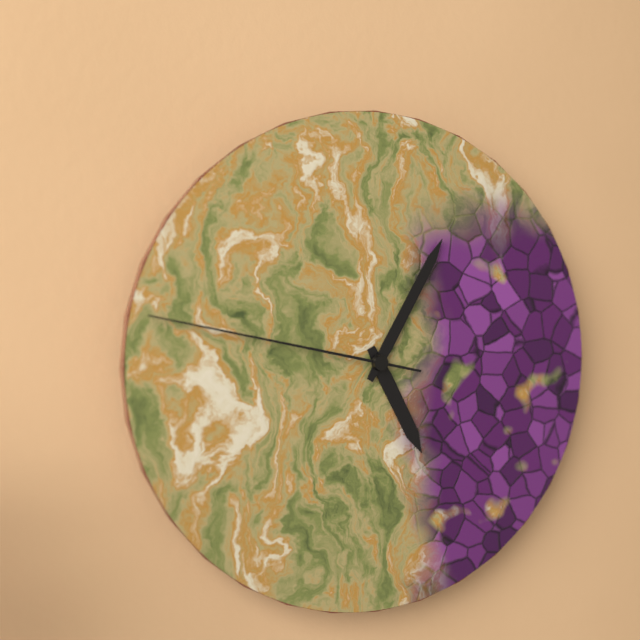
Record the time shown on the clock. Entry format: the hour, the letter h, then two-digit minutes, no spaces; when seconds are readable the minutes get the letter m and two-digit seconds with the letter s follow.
5h05m47s
